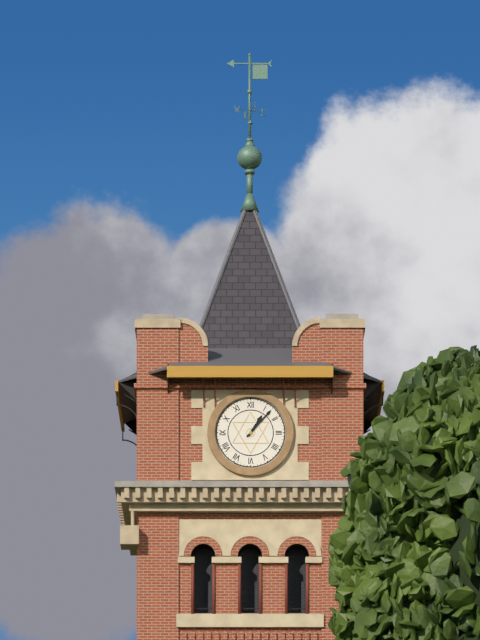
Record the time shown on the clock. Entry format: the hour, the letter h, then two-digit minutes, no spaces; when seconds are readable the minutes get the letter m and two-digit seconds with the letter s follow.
1h07
